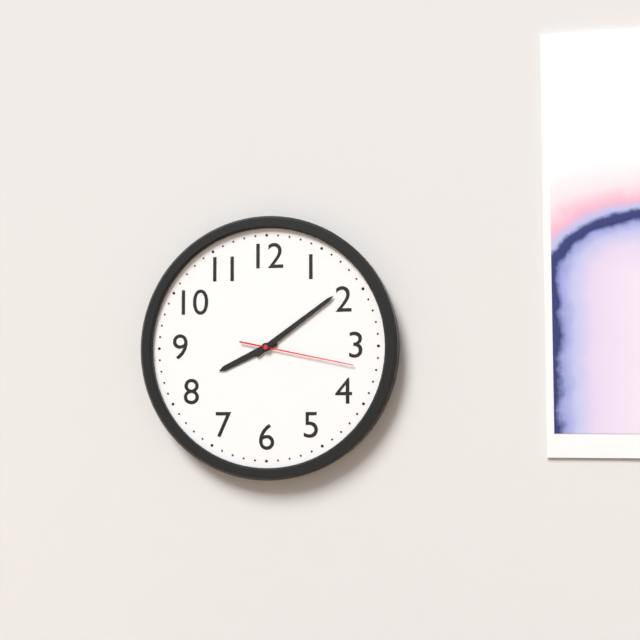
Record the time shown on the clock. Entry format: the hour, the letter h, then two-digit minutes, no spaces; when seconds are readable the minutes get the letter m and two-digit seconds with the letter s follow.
8h09m17s
